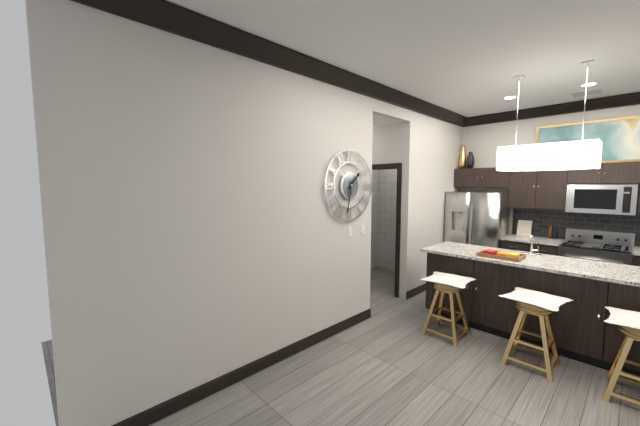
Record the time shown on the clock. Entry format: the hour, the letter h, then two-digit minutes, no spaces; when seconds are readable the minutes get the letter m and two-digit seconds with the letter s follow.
1h32
